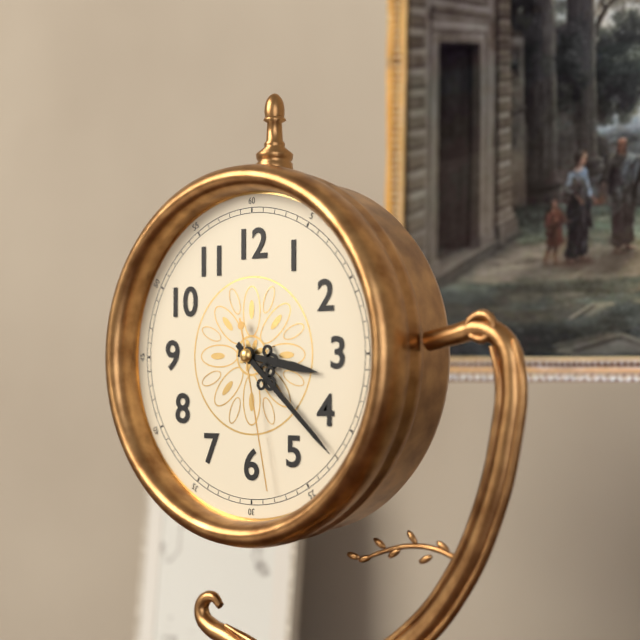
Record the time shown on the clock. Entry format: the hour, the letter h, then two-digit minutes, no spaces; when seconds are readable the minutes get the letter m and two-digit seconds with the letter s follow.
3h22m28s
